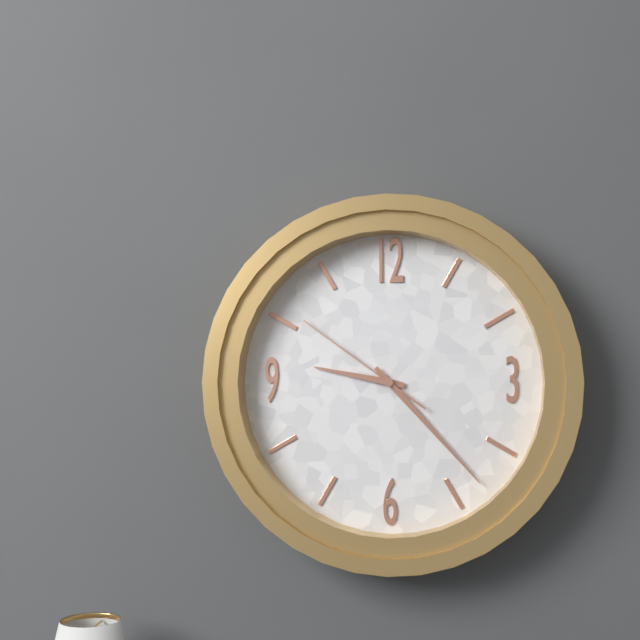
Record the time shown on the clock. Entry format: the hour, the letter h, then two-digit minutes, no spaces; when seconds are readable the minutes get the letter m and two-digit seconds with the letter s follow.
9h23m51s
